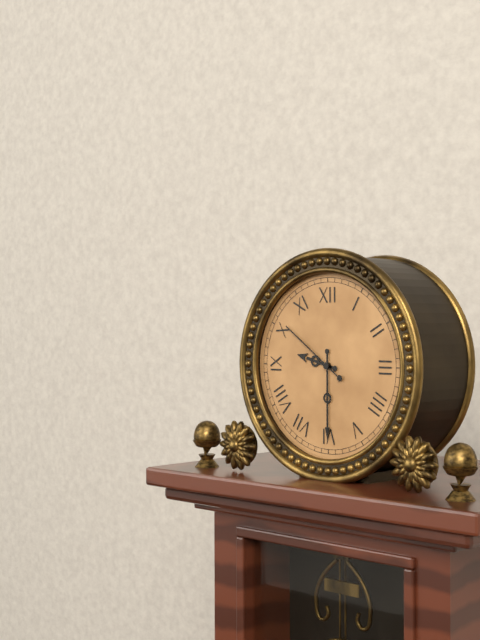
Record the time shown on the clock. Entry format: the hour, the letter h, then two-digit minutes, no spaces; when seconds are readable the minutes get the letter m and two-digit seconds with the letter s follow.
9h30m51s
